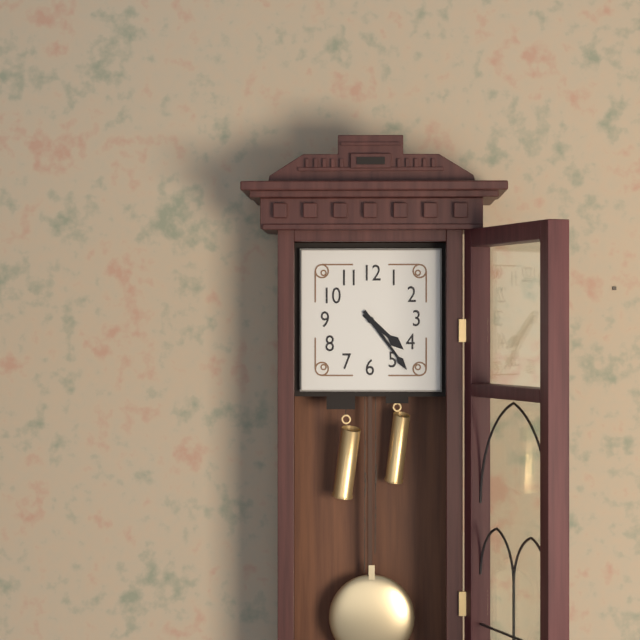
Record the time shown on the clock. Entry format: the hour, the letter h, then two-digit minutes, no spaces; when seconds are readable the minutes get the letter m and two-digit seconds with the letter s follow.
4h24
